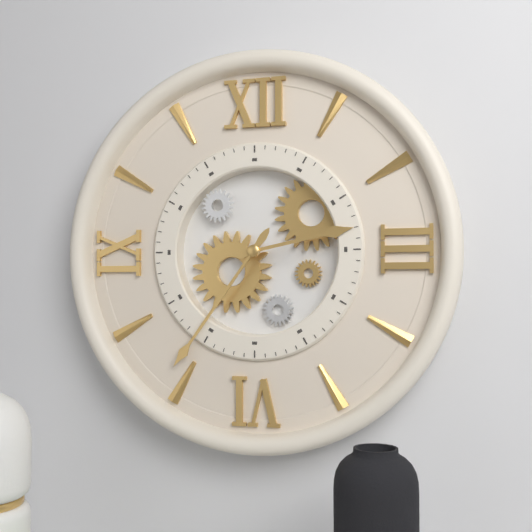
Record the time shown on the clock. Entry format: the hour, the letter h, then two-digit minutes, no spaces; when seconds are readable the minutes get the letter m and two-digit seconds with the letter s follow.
2h36
